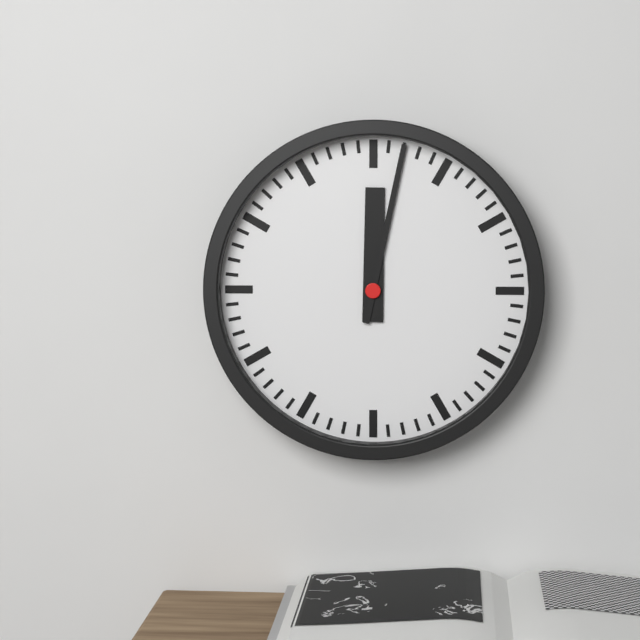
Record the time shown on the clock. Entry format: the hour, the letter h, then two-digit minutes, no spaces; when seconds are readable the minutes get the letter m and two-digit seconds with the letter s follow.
12h02
